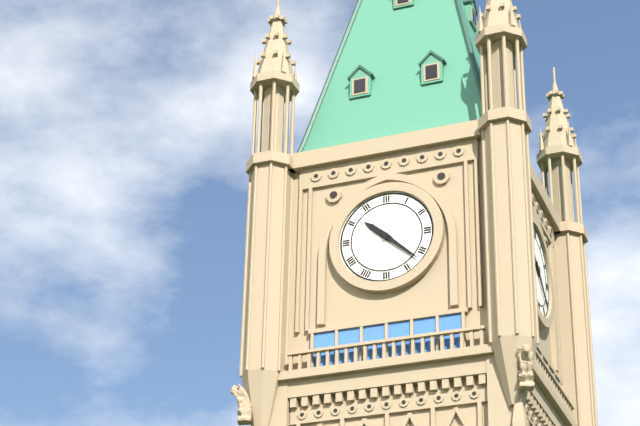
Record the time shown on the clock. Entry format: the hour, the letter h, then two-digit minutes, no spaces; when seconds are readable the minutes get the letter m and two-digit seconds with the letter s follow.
10h22
